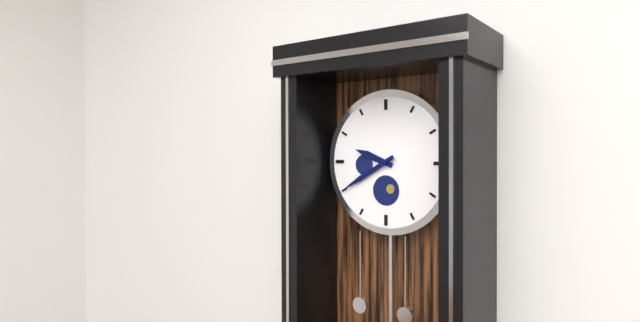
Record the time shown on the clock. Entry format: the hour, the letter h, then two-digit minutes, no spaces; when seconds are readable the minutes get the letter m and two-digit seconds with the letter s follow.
9h40
